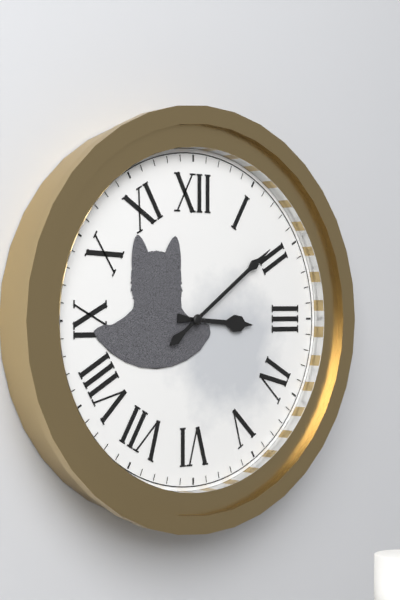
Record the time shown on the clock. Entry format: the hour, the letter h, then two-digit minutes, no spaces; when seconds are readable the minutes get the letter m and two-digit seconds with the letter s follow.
3h09
